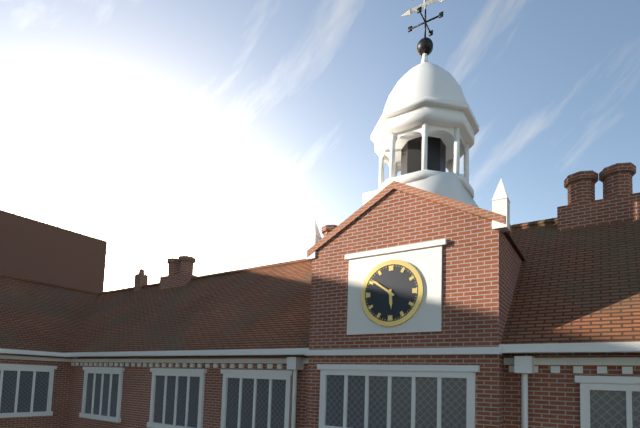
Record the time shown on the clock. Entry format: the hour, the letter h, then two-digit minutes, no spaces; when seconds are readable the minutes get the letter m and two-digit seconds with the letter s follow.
5h51
